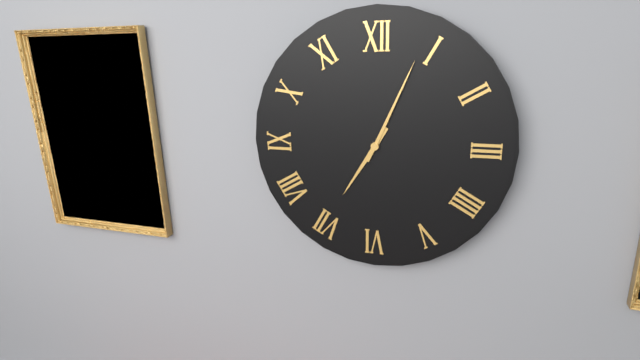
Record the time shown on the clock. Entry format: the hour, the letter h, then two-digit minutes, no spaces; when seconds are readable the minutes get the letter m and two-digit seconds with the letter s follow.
7h04
